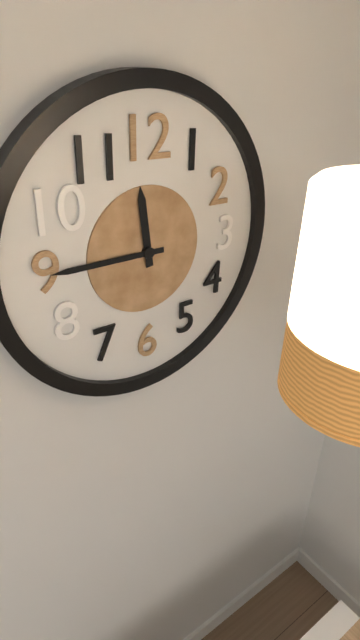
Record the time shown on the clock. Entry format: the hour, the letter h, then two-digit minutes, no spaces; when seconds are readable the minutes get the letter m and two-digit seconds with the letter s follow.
11h45
